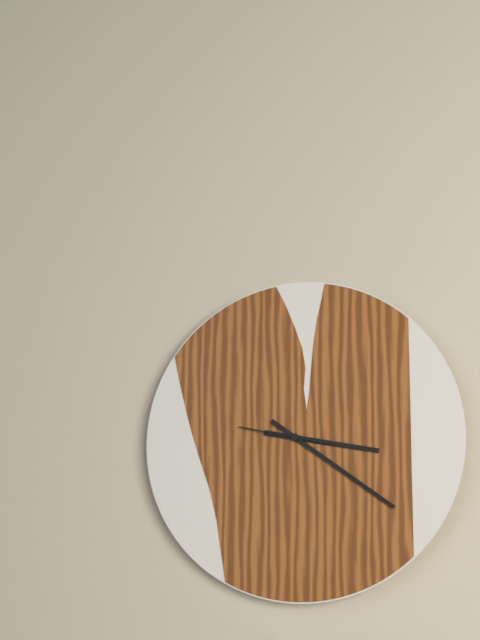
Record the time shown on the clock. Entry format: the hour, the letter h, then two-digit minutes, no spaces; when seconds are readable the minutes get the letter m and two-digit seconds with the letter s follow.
3h21m47s
